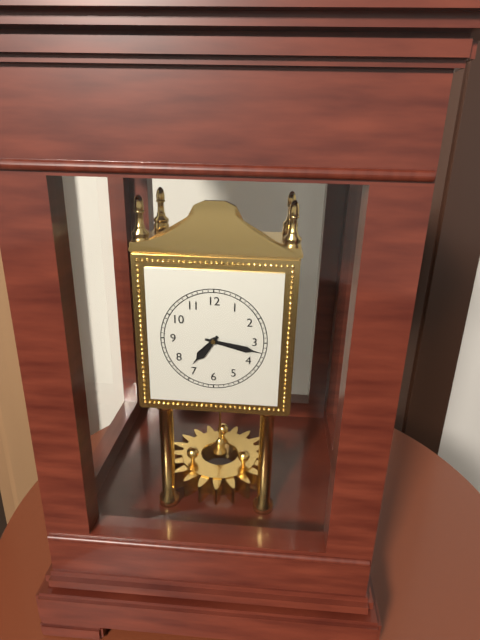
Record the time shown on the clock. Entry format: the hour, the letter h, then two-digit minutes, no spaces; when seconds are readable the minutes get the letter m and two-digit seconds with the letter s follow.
7h17
